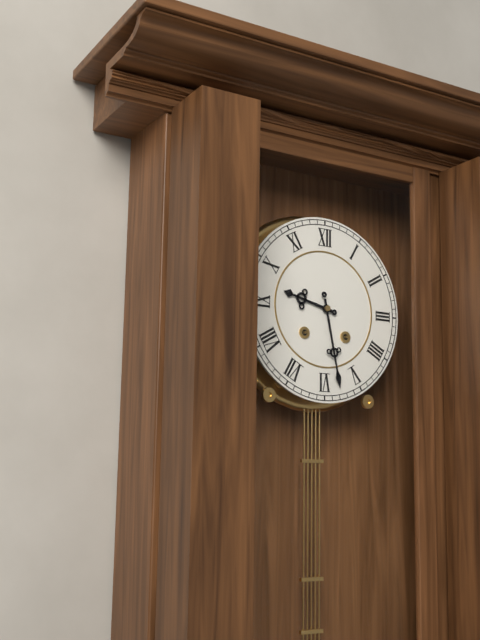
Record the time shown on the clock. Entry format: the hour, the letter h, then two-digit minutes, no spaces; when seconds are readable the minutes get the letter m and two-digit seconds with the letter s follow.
9h28
